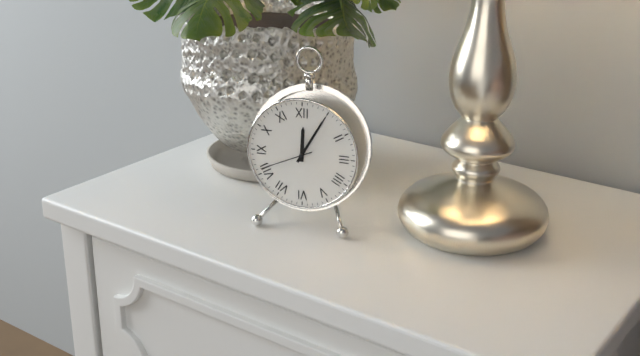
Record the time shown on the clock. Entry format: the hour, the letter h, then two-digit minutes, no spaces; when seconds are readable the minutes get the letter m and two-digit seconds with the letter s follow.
12h05m41s
